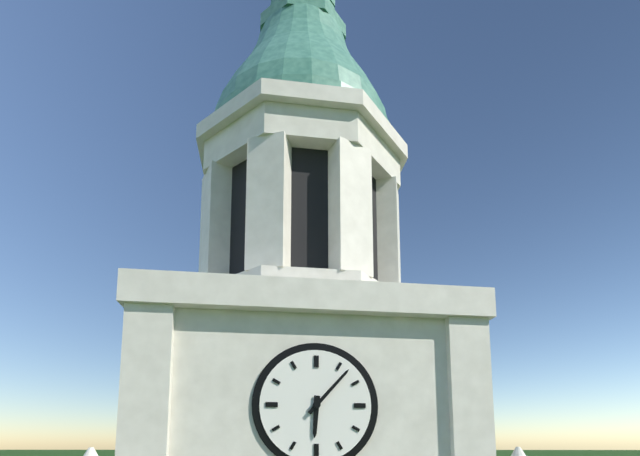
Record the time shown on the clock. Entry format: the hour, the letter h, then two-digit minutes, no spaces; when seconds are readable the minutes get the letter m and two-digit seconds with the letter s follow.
6h07
